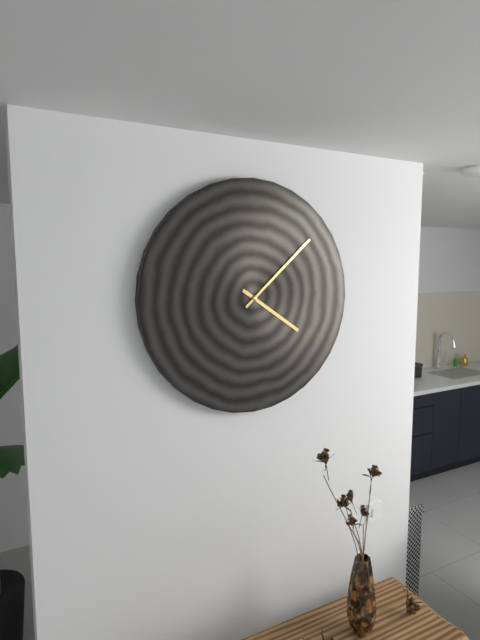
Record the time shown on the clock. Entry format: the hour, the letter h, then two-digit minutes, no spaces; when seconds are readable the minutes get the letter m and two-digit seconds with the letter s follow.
4h08
